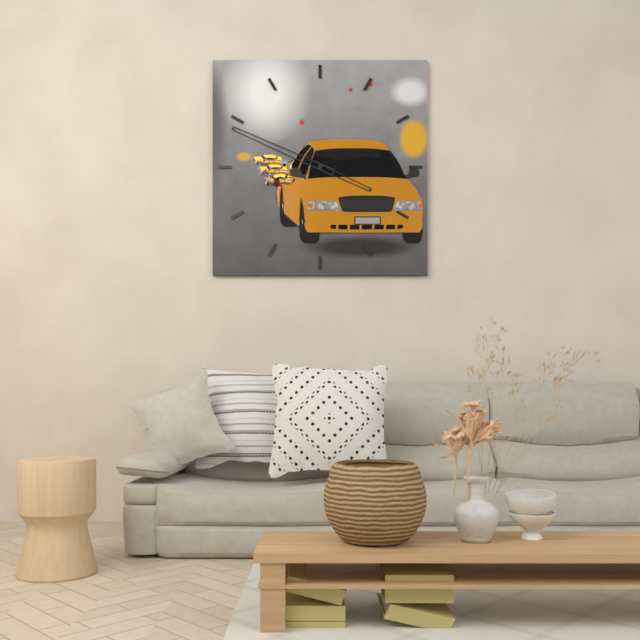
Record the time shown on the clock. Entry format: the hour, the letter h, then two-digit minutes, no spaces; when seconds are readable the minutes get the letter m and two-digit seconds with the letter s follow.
3h49
